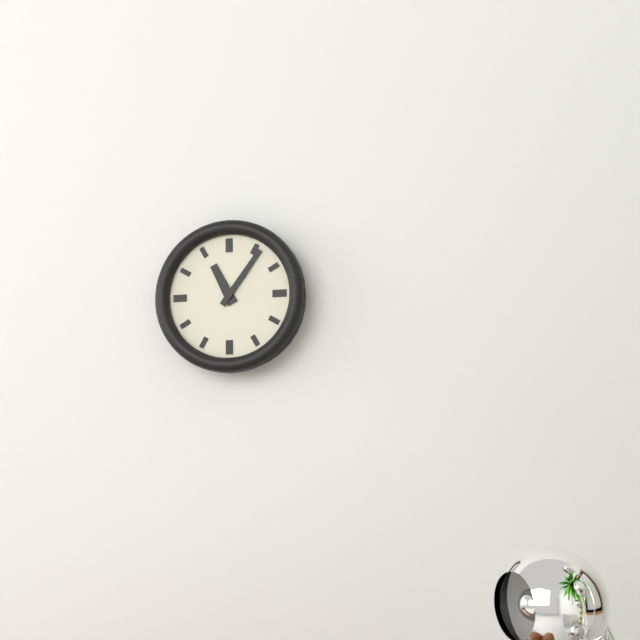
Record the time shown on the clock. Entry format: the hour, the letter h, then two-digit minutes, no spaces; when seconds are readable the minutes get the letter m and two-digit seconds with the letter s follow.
11h06
